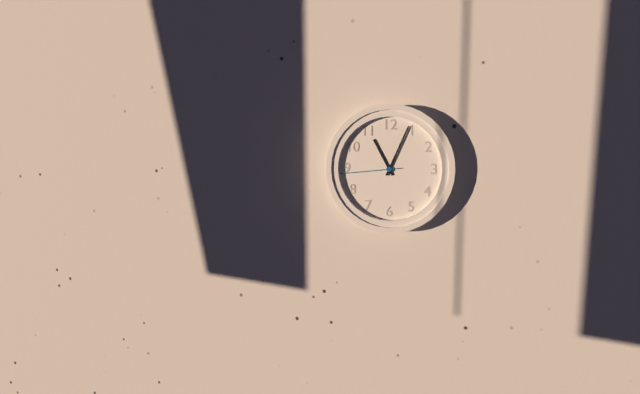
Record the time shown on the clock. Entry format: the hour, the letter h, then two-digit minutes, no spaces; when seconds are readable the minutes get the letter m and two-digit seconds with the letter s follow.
11h04m44s
